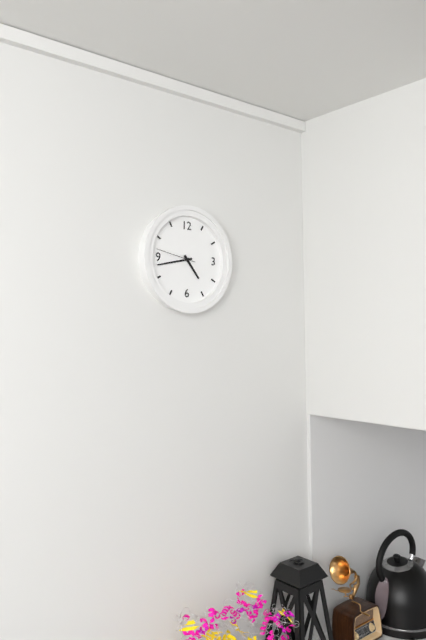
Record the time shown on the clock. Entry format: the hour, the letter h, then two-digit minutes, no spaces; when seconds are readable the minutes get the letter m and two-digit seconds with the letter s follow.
4h43
